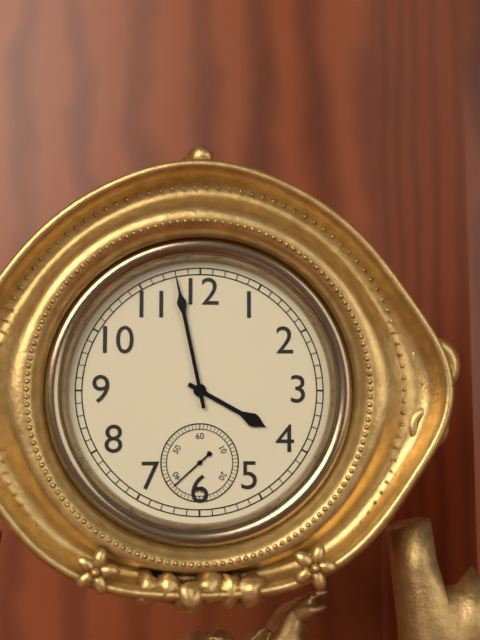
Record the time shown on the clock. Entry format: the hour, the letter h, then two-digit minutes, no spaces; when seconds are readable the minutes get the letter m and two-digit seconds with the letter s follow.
3h58
